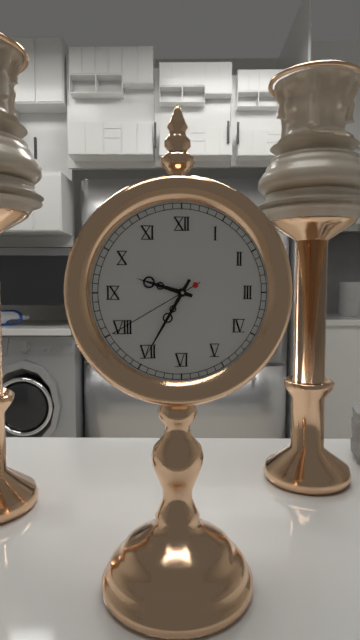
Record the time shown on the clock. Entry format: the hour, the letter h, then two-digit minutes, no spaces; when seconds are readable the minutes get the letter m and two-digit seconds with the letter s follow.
9h35m40s
